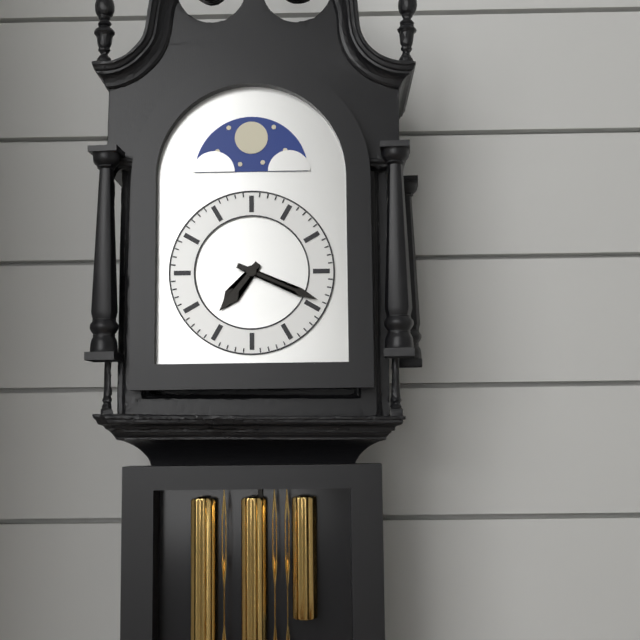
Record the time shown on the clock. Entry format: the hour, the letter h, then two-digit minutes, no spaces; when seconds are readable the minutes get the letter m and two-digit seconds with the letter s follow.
7h19
